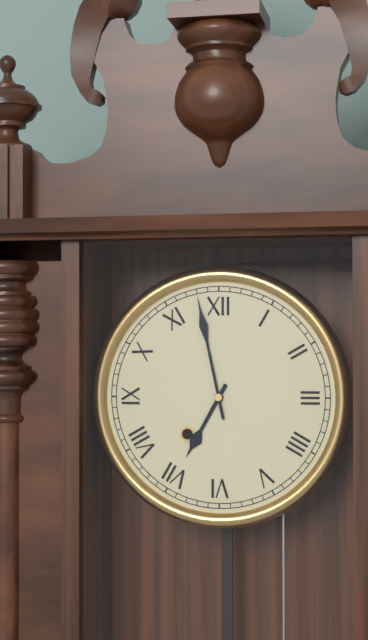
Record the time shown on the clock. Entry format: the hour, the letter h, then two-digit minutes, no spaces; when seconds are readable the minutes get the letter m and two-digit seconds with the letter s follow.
6h58
